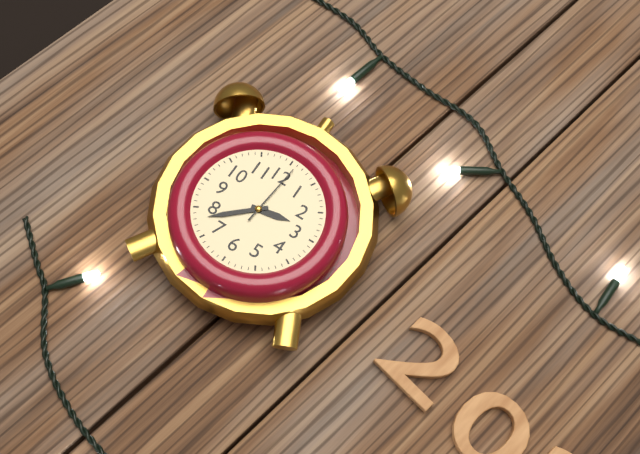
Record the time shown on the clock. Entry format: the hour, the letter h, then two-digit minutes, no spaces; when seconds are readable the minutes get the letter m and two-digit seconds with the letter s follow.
2h38m01s
